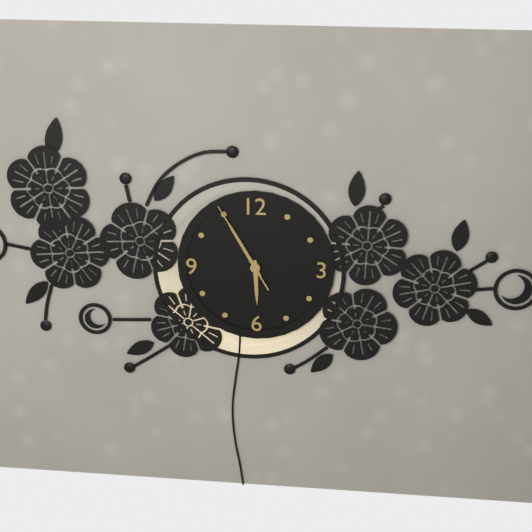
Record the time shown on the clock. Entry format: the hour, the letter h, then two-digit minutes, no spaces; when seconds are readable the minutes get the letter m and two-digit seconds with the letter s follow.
5h55m55s
